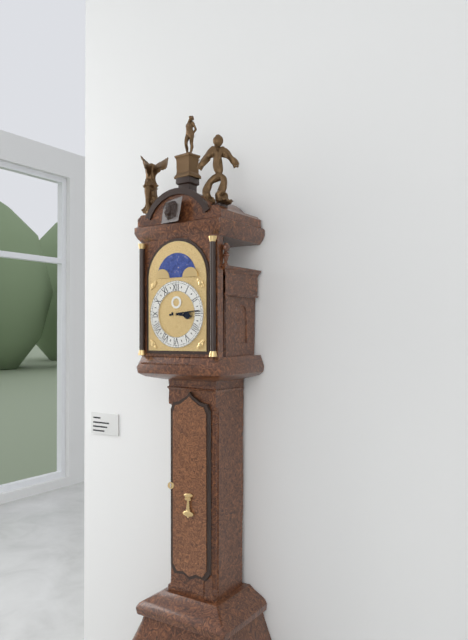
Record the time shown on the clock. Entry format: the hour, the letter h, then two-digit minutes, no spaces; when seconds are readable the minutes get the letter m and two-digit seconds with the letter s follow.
3h14
